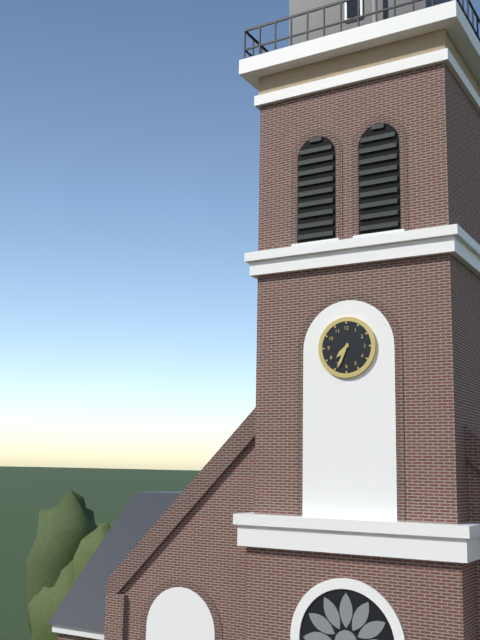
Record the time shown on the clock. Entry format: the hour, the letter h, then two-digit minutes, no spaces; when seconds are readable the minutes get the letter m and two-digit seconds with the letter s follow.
7h34
